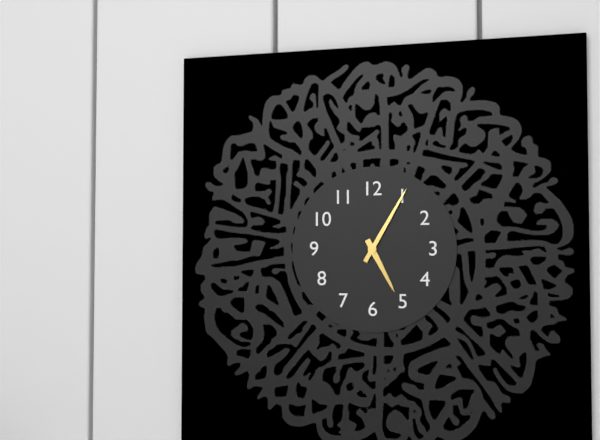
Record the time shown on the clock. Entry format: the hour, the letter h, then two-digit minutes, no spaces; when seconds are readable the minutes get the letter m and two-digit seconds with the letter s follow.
5h05
